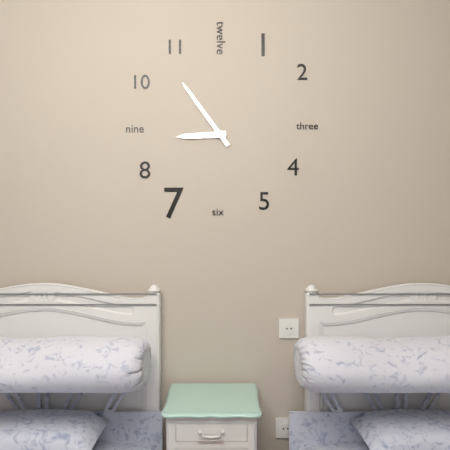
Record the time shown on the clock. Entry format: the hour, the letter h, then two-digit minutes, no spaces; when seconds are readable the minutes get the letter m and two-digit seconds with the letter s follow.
8h54
